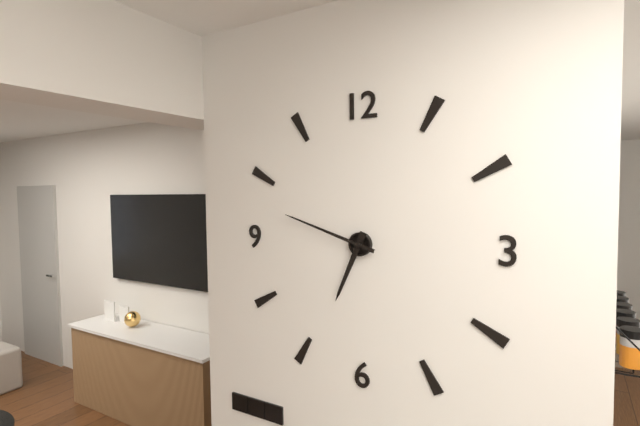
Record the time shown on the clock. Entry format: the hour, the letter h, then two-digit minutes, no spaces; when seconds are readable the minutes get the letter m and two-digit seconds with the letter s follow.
6h48
